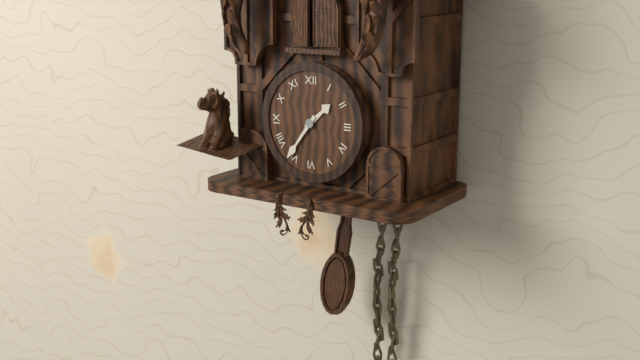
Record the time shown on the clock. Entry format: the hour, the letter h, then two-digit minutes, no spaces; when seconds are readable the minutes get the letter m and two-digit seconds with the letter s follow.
1h36
